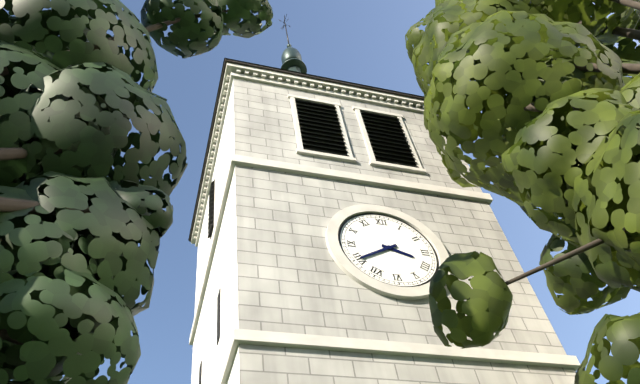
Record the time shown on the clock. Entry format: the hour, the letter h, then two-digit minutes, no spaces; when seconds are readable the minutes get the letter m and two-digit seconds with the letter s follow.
3h40
